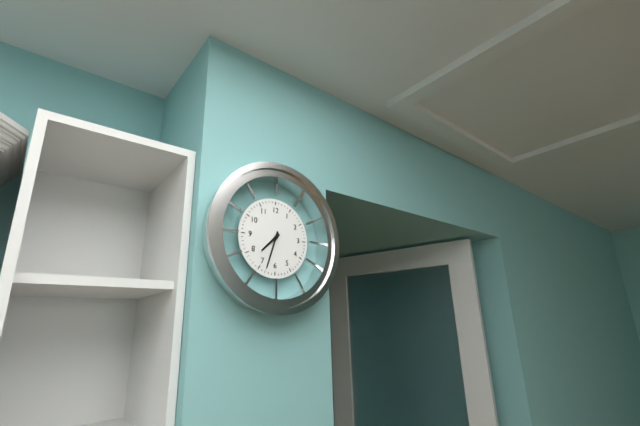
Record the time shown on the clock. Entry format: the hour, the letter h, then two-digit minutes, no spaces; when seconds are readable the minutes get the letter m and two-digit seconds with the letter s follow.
7h33
